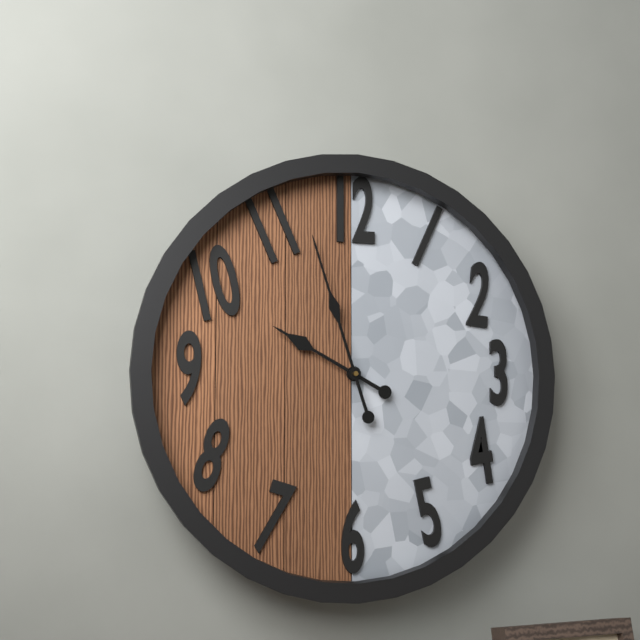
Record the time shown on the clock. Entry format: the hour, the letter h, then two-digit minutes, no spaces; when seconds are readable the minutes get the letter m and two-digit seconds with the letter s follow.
9h57
